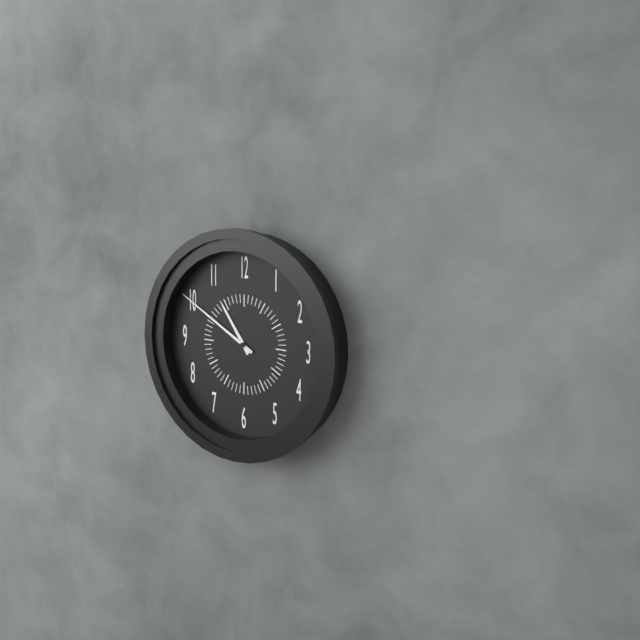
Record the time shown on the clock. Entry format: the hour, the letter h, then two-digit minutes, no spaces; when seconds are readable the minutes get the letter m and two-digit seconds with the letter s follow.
10h50
